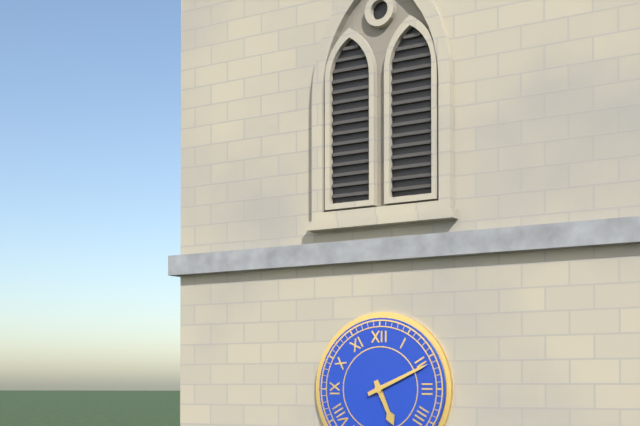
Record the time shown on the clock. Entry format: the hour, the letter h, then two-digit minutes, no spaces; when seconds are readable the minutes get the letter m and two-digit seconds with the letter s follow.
5h11
